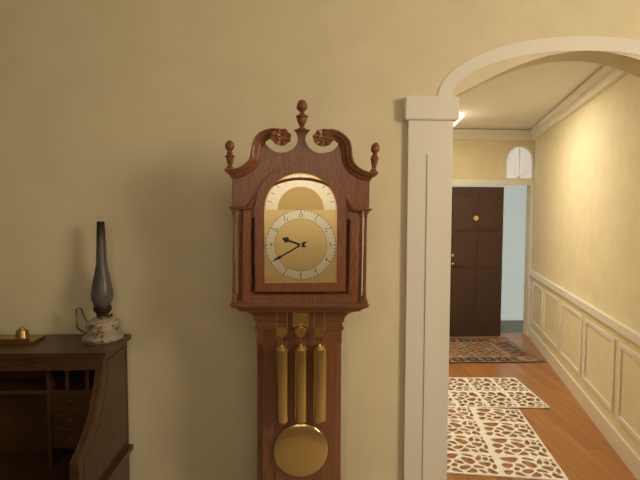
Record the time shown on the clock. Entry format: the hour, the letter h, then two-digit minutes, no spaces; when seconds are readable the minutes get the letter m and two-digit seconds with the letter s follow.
9h40
